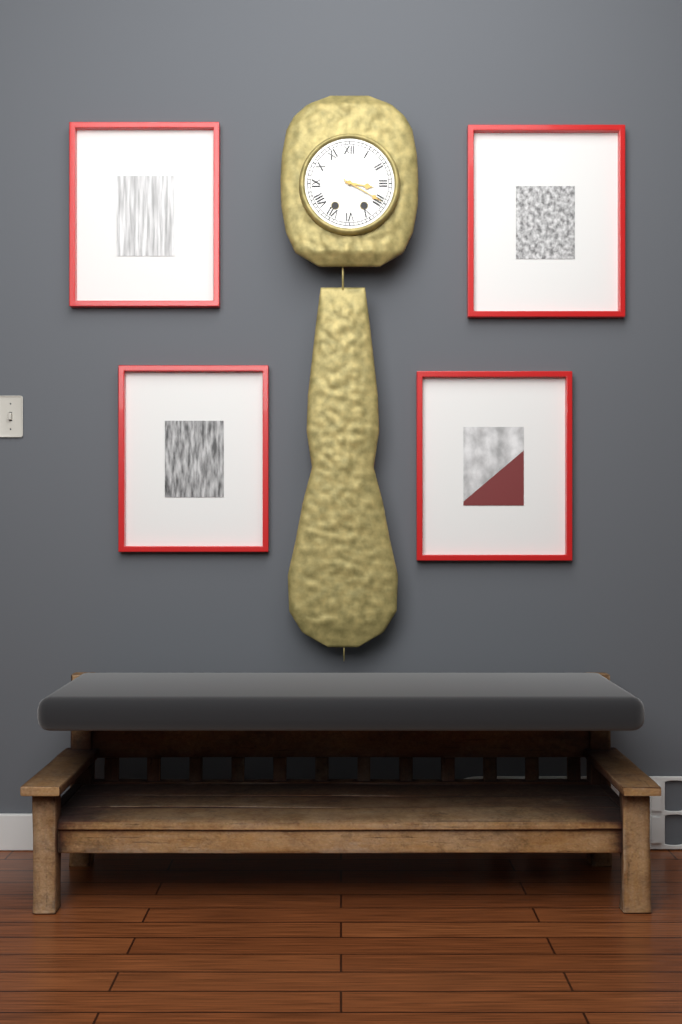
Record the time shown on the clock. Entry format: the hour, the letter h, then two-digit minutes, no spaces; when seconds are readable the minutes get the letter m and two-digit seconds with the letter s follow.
3h20
